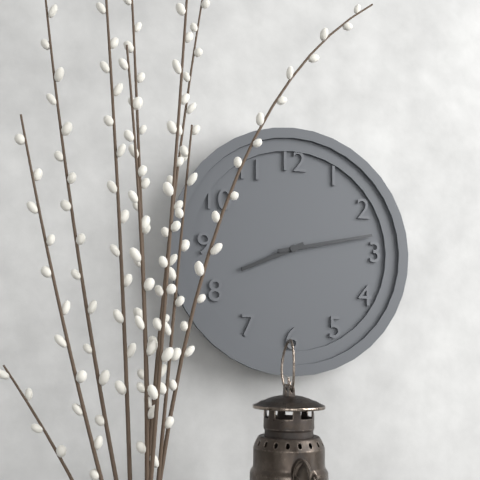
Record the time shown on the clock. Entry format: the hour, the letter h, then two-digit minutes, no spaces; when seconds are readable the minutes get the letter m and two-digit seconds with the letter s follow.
8h13
